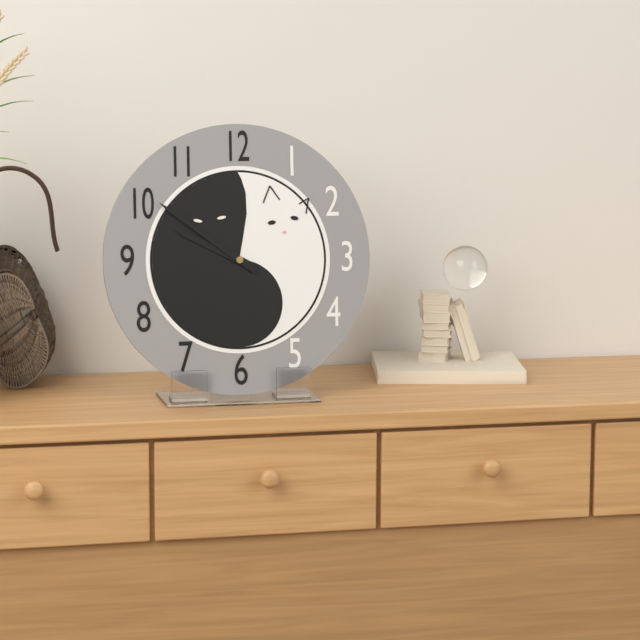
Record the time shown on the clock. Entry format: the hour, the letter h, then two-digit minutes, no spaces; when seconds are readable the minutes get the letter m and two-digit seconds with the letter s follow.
9h51
